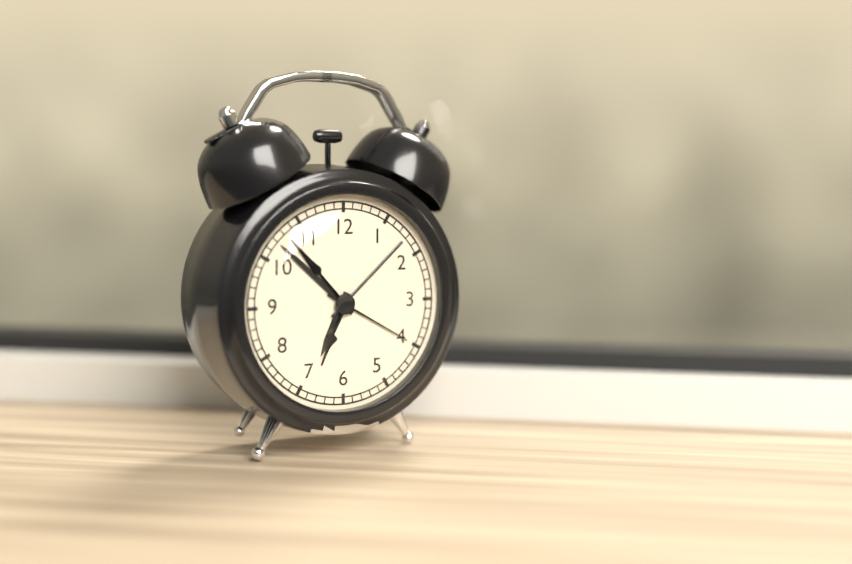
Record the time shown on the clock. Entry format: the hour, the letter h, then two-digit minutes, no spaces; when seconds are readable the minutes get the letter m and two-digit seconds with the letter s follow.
6h52m20s
